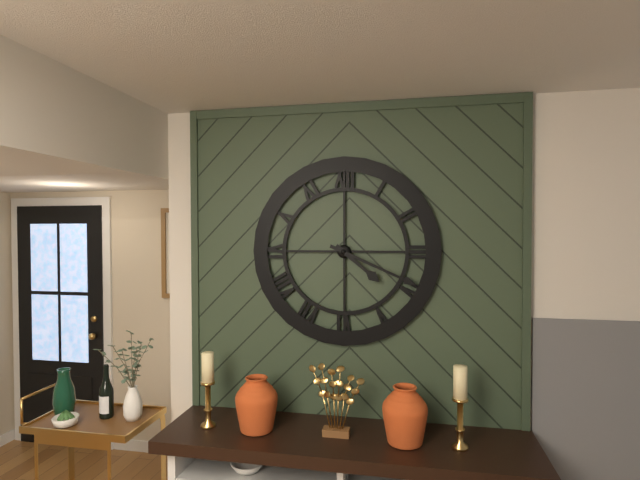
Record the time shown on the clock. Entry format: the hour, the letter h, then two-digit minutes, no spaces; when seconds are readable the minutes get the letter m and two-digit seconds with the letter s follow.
4h19
